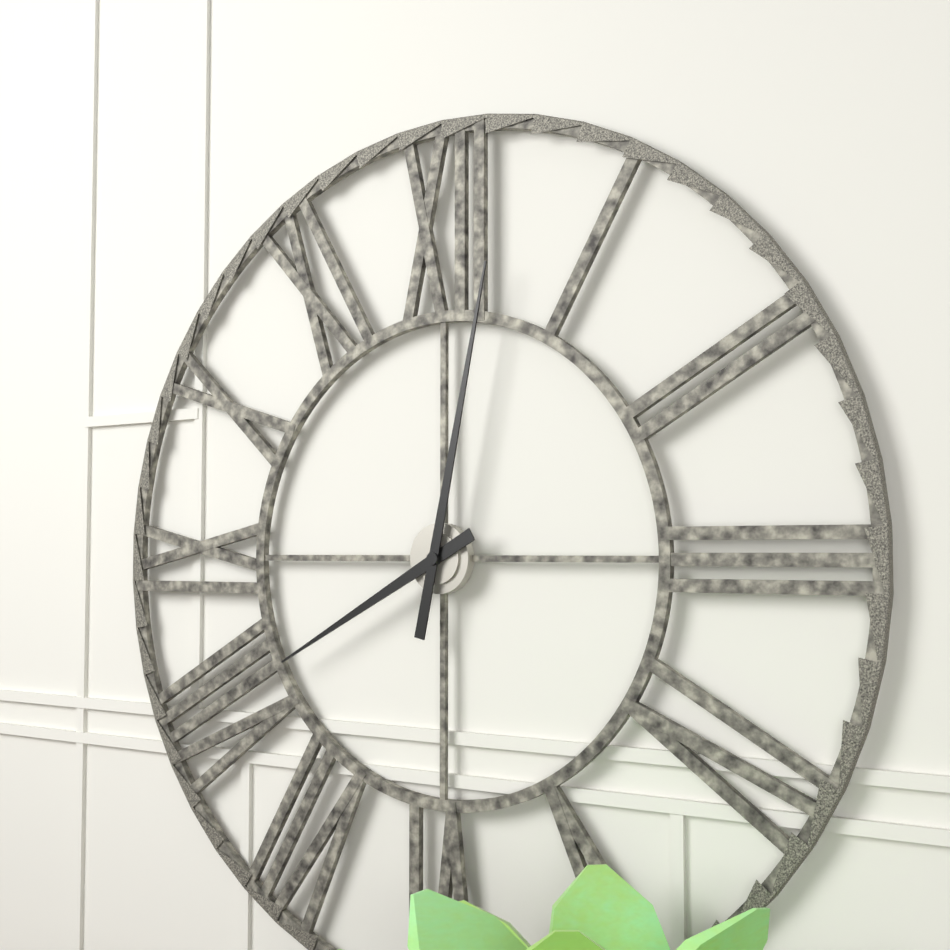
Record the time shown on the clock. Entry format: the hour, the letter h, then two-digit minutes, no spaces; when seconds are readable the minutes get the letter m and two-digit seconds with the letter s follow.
8h02
